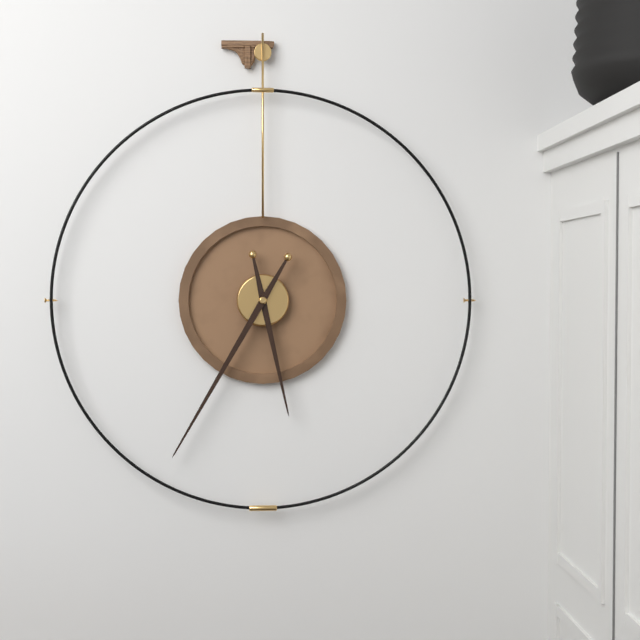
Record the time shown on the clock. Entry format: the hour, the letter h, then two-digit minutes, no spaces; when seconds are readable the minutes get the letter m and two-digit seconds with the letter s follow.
5h35
